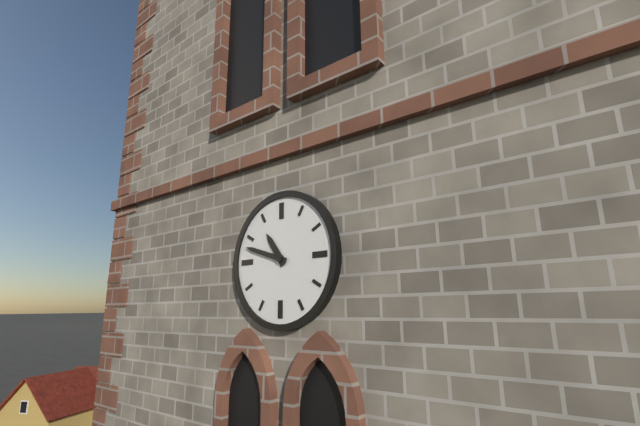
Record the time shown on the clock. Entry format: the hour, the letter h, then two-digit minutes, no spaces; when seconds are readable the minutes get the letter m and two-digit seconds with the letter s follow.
10h48
